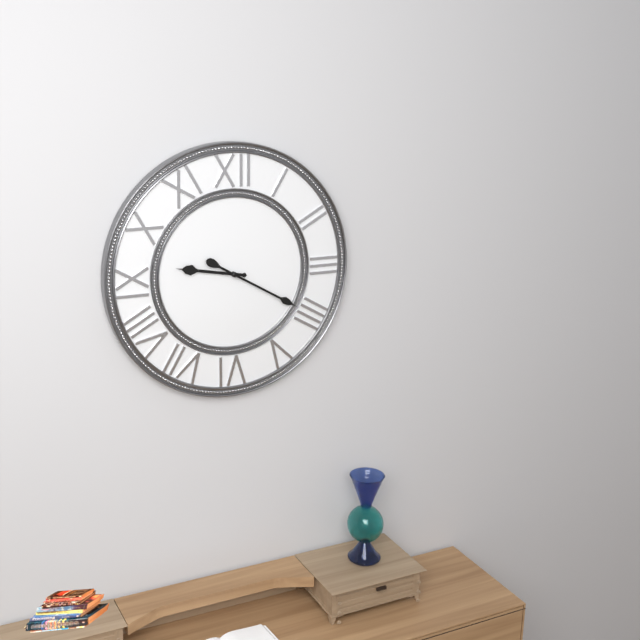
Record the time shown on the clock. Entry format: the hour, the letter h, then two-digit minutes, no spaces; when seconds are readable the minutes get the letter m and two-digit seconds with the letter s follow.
9h20
